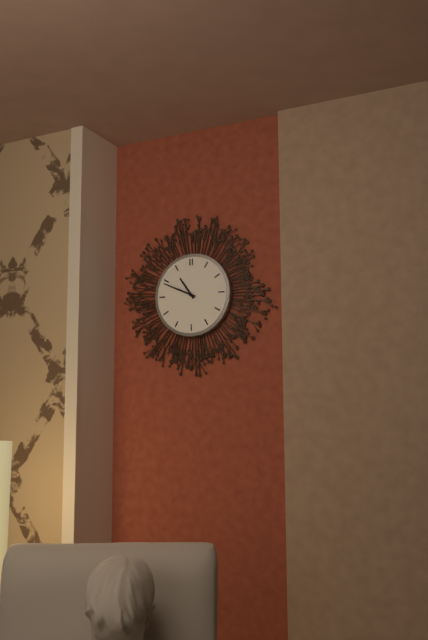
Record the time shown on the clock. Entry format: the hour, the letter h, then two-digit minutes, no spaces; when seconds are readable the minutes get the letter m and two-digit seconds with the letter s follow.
10h49
